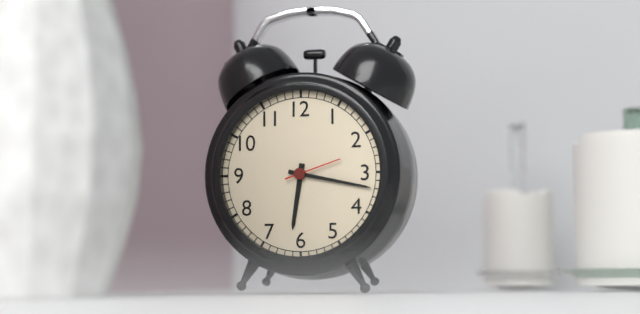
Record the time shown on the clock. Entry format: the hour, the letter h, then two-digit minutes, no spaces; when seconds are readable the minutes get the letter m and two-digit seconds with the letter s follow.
6h17m12s
